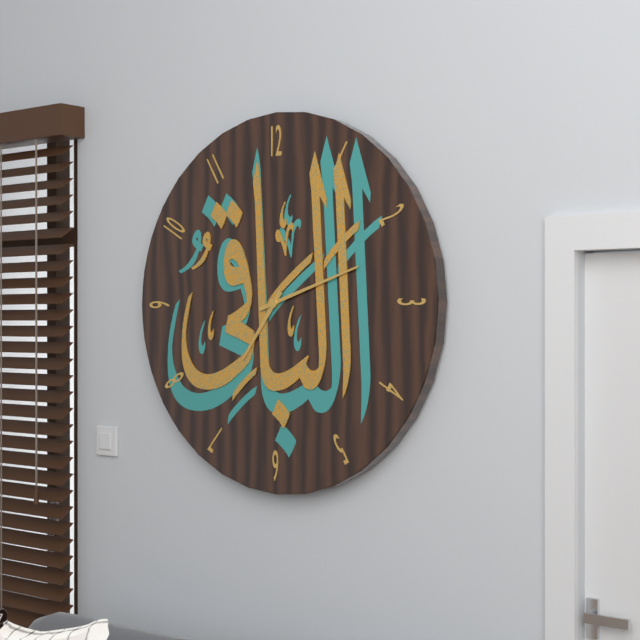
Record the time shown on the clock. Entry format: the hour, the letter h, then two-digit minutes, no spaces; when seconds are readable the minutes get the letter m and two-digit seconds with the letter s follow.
7h12
